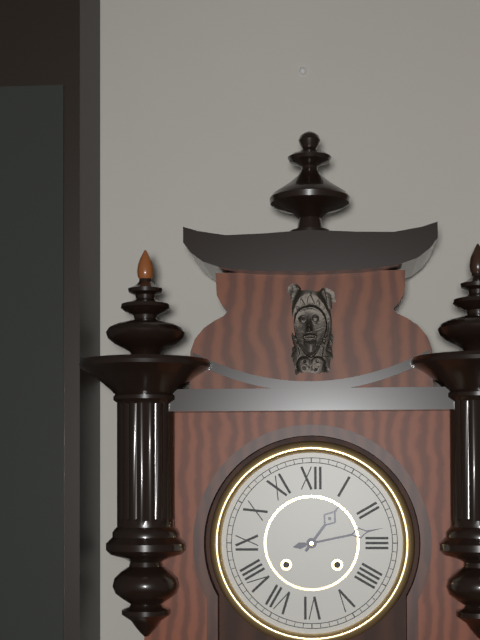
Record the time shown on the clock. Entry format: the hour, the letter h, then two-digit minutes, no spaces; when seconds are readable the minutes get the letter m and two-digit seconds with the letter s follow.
1h13
